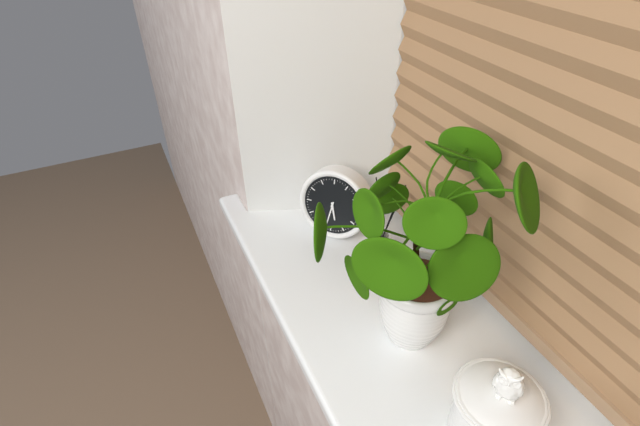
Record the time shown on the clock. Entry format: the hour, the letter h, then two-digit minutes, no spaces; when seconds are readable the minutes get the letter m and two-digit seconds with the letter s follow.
5h32
